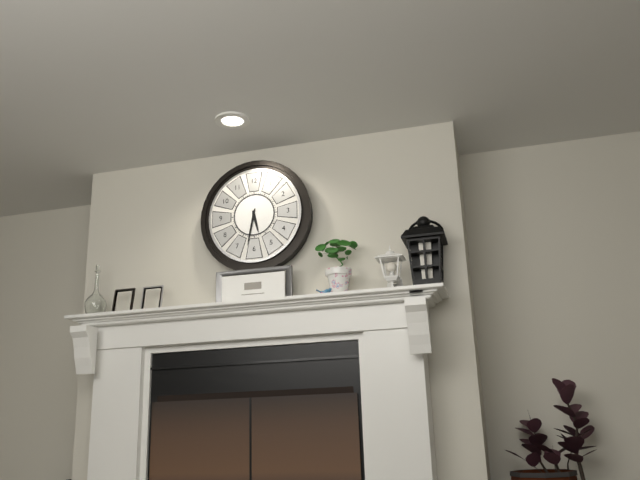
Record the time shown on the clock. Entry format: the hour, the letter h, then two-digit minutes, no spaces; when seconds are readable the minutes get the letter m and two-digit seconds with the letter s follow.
5h32
